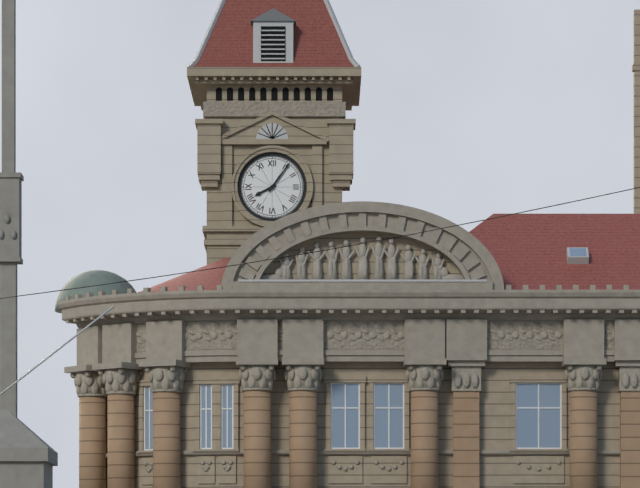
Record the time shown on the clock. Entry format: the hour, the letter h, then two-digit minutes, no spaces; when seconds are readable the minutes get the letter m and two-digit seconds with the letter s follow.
8h06
